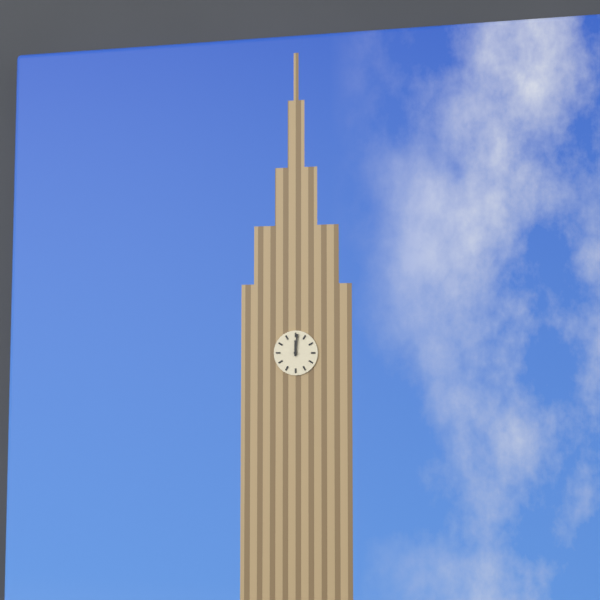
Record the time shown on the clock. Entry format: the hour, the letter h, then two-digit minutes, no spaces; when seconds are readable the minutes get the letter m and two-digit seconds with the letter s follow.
12h01
